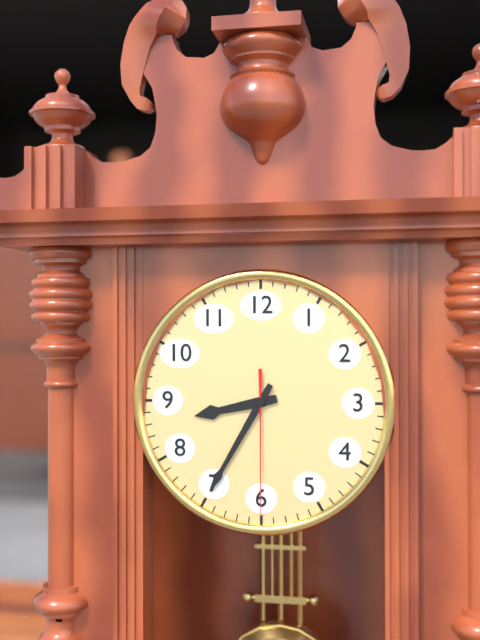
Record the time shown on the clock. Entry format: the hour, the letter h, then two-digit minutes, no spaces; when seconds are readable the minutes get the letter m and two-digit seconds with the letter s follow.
8h35m30s
